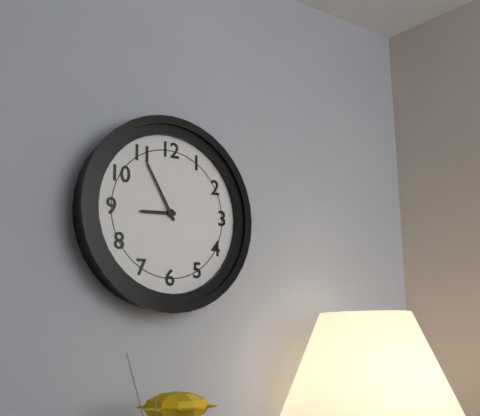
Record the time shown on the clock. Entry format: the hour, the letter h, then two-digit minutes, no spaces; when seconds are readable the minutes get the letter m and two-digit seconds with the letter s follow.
8h55
